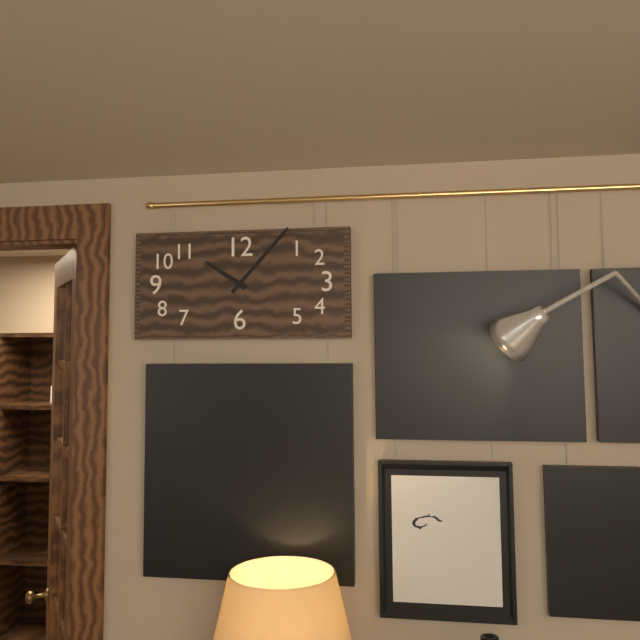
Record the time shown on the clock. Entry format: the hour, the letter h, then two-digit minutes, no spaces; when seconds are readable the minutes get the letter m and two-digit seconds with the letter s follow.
10h07
